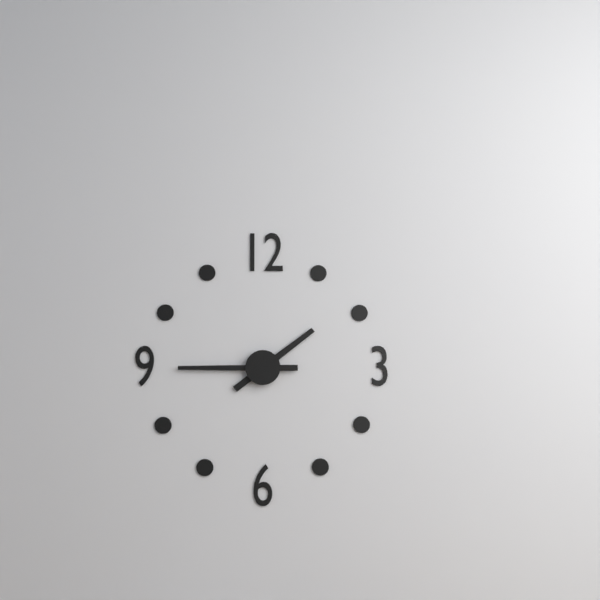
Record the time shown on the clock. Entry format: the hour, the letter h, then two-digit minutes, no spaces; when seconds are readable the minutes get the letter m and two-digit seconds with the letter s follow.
1h45
